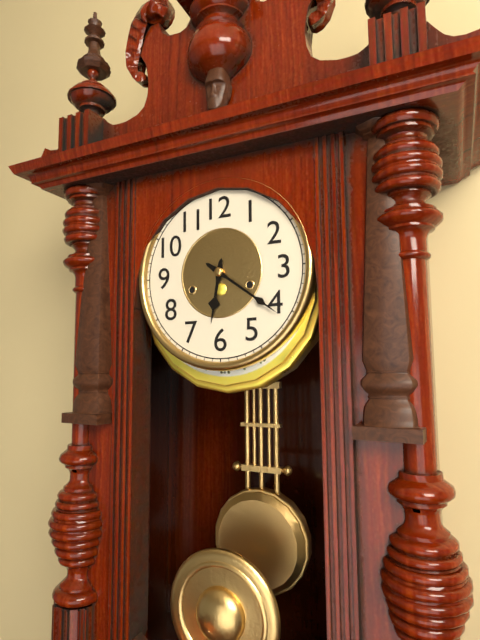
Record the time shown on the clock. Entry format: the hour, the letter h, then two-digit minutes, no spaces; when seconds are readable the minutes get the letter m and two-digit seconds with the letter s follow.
6h21
